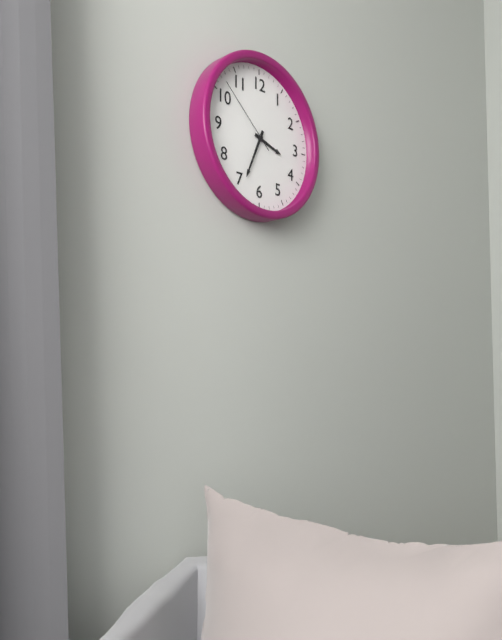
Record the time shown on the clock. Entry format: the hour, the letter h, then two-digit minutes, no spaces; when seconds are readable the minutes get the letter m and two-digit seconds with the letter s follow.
3h34m52s
